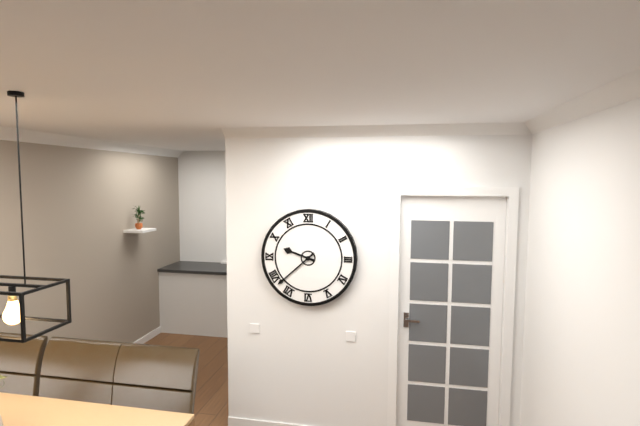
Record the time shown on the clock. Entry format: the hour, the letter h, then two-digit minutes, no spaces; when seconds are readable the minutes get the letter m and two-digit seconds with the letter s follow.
9h38
